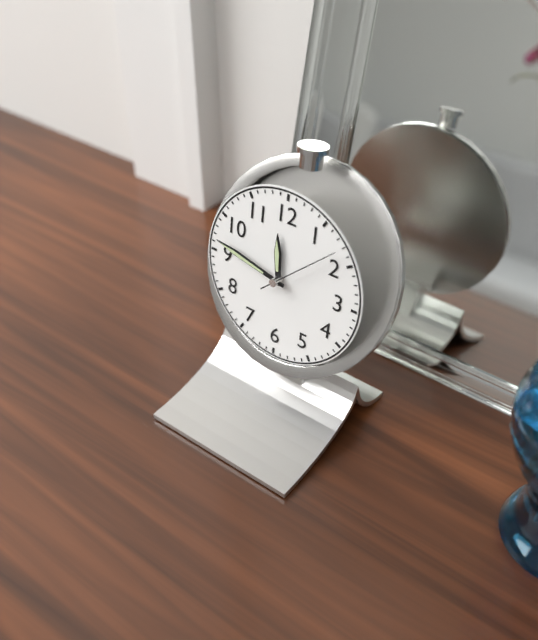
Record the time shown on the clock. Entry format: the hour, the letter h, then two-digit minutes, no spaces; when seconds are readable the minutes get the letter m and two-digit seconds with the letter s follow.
11h47m08s
